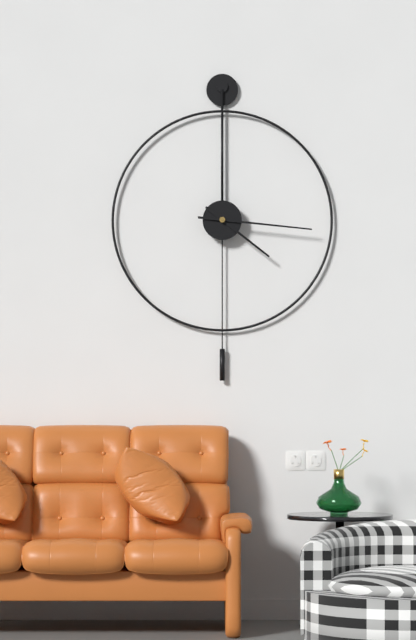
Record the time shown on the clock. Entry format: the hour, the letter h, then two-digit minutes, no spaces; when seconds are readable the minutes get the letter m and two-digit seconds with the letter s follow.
4h16
